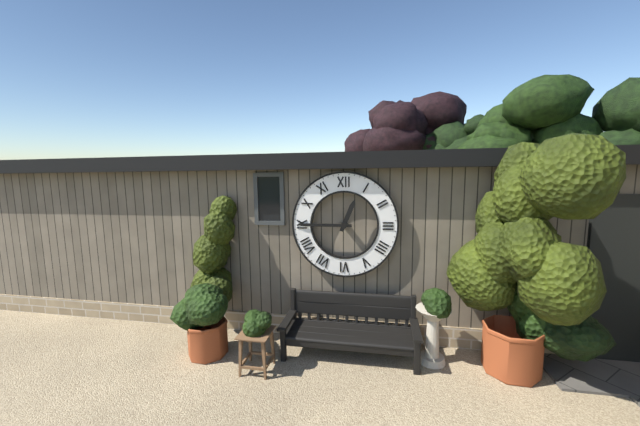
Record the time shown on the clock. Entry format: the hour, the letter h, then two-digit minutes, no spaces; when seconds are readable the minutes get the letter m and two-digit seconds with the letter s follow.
12h45
